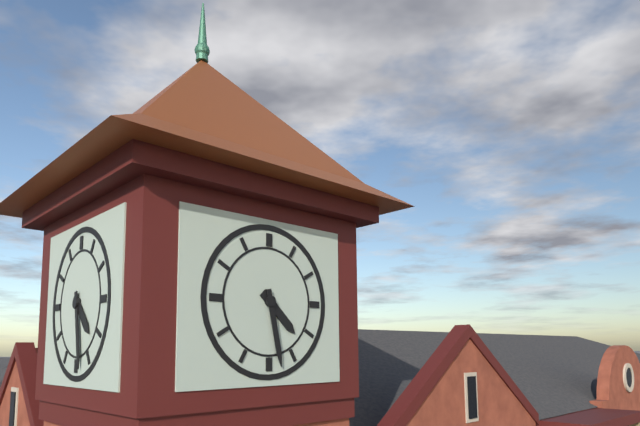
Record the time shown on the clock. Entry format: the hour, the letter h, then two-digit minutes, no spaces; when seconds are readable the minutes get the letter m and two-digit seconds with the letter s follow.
4h28
